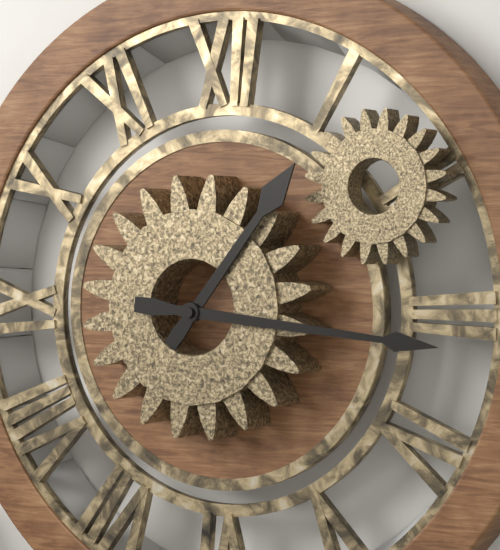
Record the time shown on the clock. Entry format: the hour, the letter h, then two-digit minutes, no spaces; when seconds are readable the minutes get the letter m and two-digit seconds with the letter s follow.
1h16
